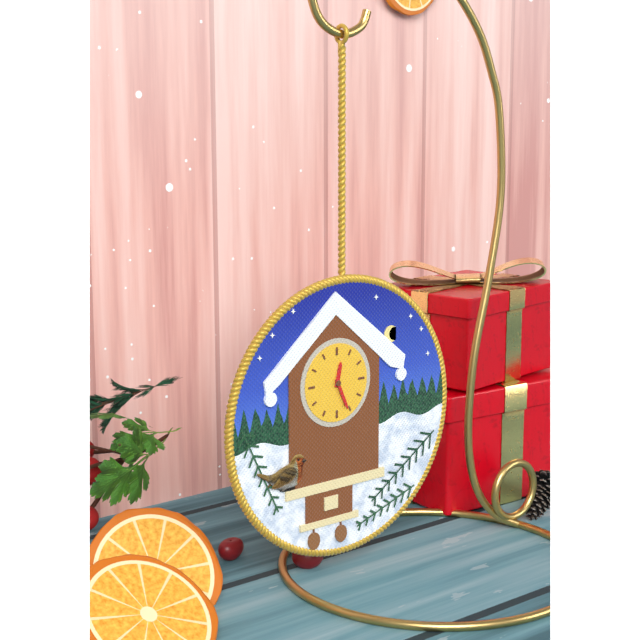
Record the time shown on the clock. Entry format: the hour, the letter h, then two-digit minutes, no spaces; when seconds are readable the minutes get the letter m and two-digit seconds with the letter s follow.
12h26
